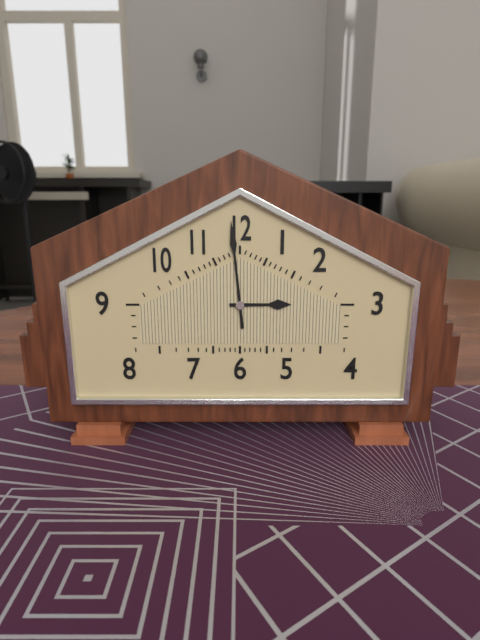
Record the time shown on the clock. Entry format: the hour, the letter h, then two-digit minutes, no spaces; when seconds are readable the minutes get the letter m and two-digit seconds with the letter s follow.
2h59
